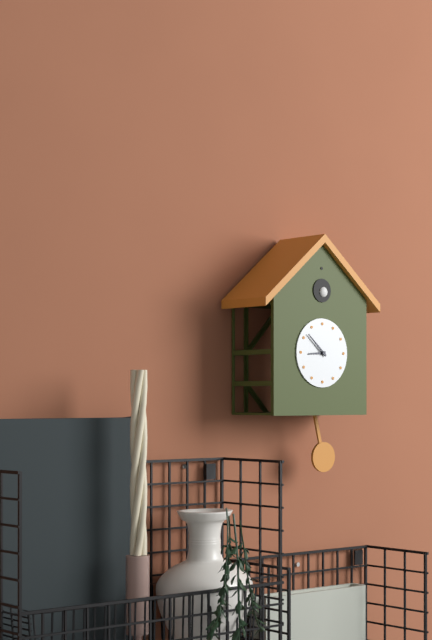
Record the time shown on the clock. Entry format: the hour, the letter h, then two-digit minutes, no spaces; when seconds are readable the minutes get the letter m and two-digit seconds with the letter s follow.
8h52
